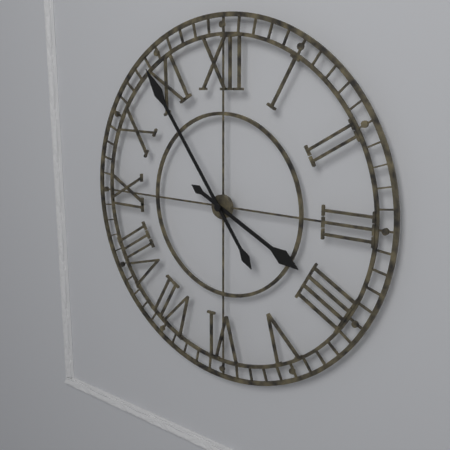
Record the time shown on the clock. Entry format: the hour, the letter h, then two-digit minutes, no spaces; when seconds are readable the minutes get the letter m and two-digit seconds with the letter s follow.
3h54
